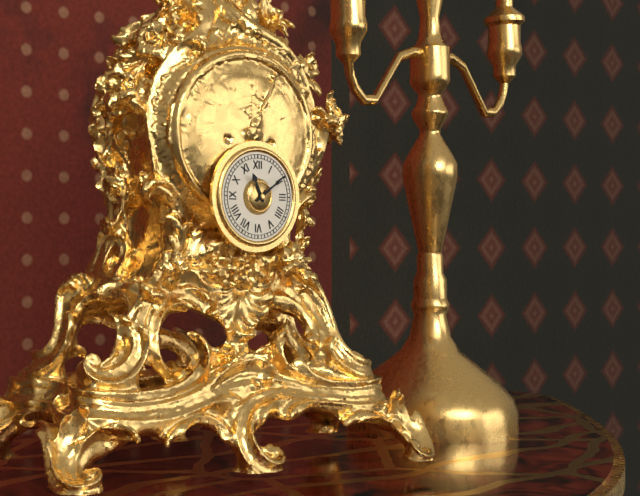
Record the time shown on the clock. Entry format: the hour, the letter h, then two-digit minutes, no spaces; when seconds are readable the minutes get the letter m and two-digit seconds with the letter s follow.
11h09
